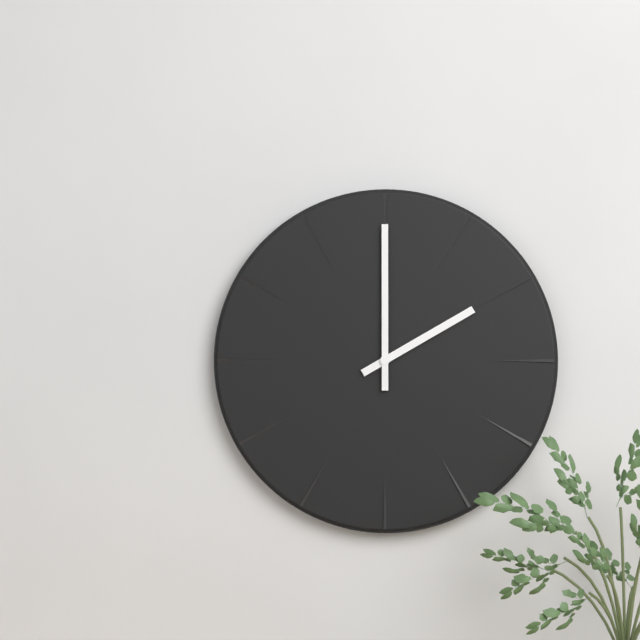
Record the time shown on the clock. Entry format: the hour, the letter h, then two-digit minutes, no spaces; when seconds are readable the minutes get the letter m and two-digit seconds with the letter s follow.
2h00
